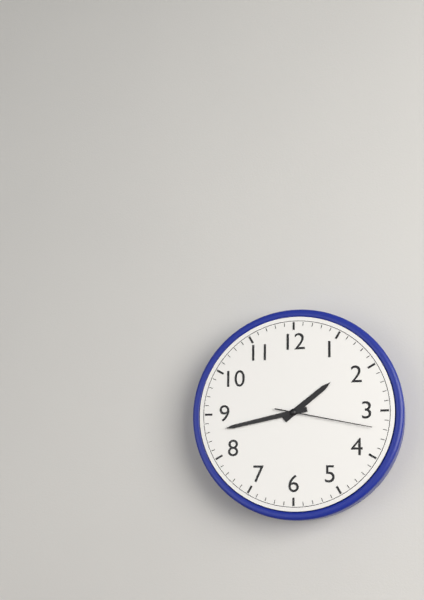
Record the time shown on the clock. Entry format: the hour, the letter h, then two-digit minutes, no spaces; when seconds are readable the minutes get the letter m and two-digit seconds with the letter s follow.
1h43m17s
